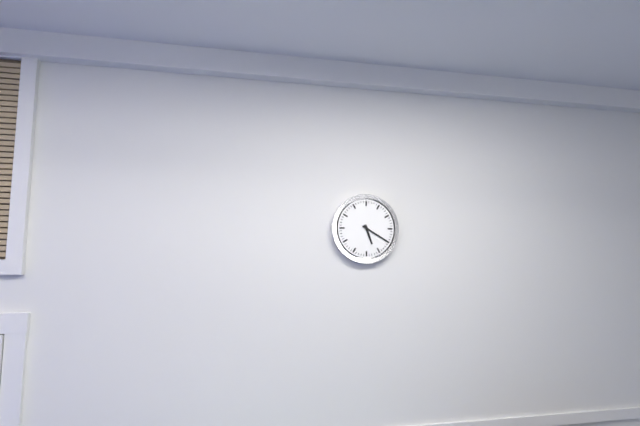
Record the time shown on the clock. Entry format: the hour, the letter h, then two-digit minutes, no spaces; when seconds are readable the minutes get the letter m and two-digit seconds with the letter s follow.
5h20
